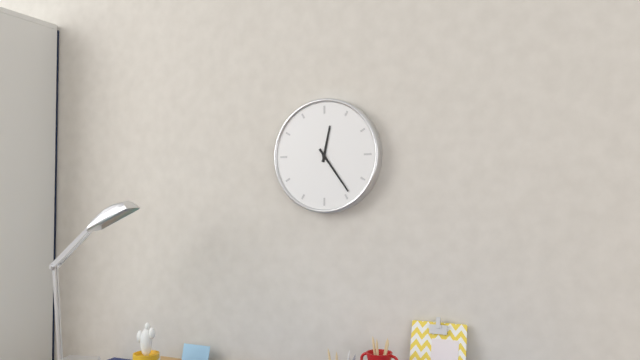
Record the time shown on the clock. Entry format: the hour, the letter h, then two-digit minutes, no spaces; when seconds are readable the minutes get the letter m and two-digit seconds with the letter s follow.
12h24
